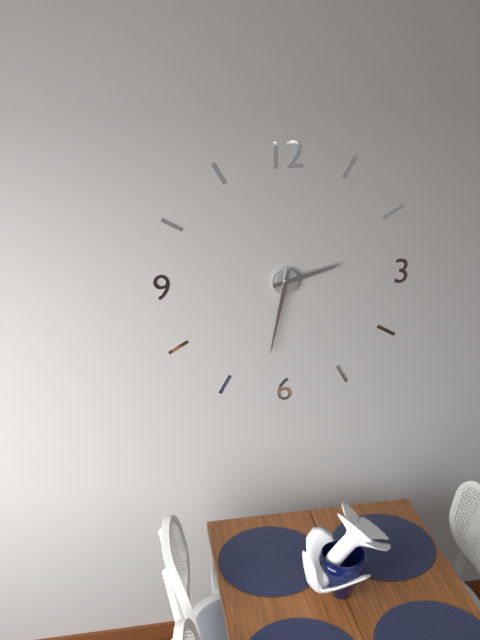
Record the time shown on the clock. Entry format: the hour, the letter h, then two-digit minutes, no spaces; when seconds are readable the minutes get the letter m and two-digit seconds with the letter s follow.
2h32
